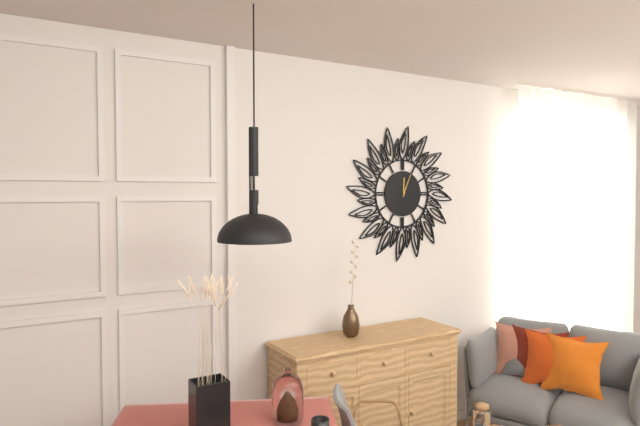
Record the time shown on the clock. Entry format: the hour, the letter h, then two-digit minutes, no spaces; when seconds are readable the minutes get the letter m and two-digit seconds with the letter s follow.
12h04
